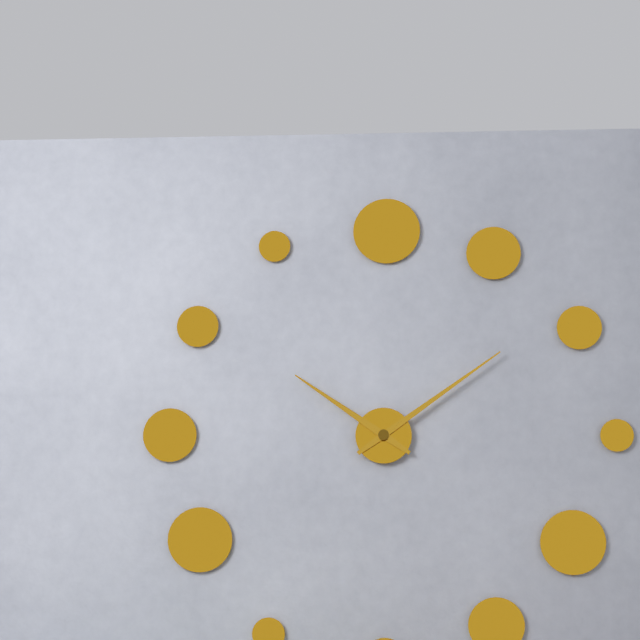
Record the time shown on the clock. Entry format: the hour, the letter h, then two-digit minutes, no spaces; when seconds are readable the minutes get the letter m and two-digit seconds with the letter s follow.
10h09
